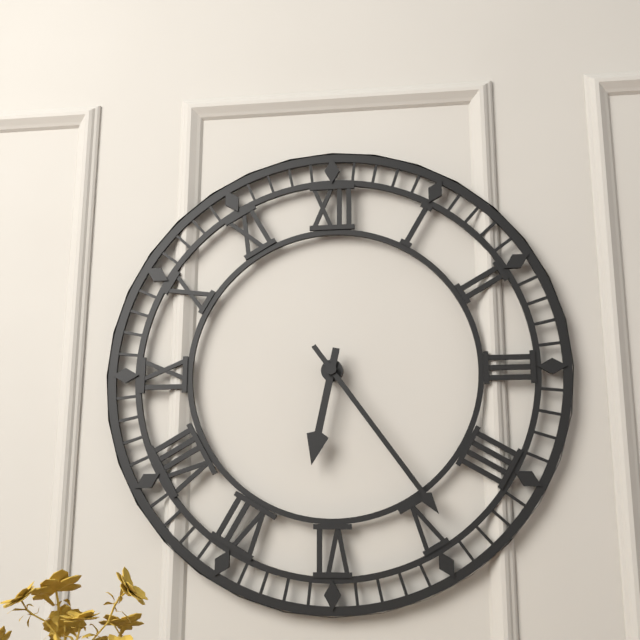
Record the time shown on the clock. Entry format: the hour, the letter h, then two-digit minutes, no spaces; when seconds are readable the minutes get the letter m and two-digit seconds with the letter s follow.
6h24
